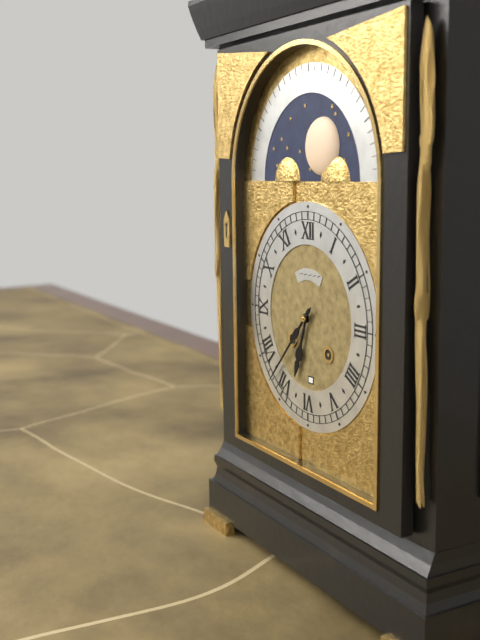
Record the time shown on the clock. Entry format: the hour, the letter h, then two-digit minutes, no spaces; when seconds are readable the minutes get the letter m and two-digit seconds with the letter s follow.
6h37
